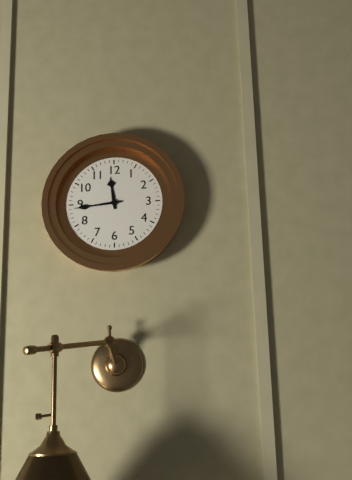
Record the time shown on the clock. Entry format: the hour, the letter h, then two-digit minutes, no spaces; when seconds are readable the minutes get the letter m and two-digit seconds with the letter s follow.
11h44
